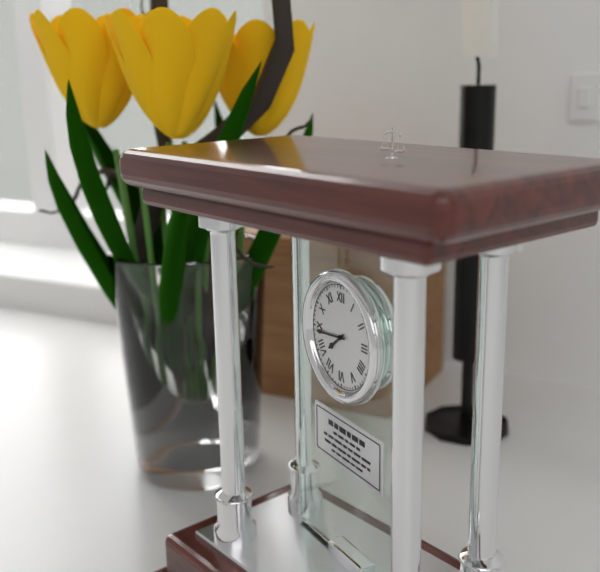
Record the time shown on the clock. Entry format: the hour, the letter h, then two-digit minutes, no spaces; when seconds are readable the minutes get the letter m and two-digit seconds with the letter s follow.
7h44
